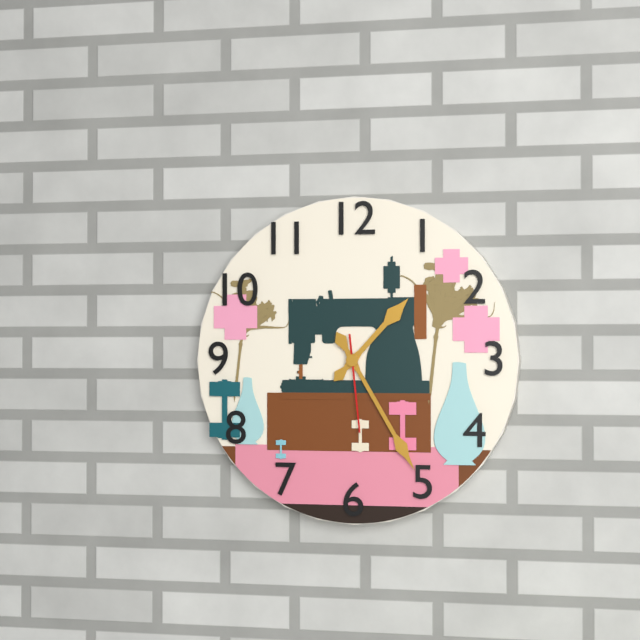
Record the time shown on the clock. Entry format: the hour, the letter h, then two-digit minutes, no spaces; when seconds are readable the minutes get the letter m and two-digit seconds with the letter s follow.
1h25m29s
